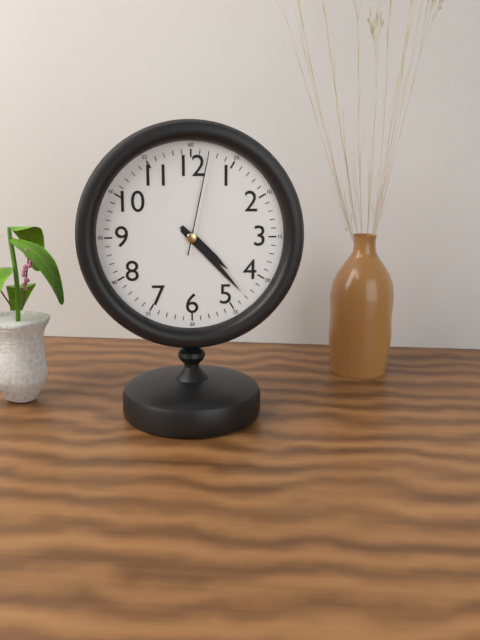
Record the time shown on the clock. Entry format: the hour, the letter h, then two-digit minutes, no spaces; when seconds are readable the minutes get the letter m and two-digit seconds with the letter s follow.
4h23m02s
